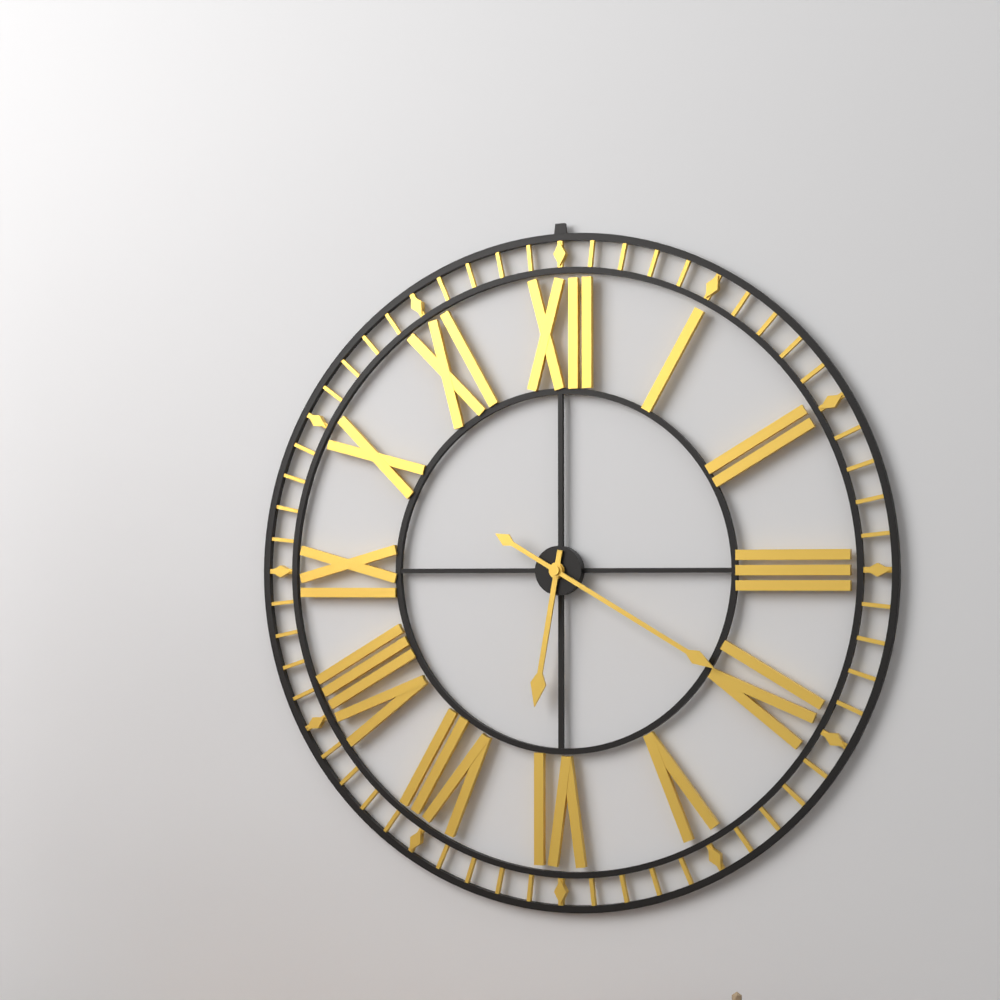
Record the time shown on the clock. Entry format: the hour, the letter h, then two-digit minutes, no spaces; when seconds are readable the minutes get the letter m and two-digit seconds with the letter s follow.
6h20
